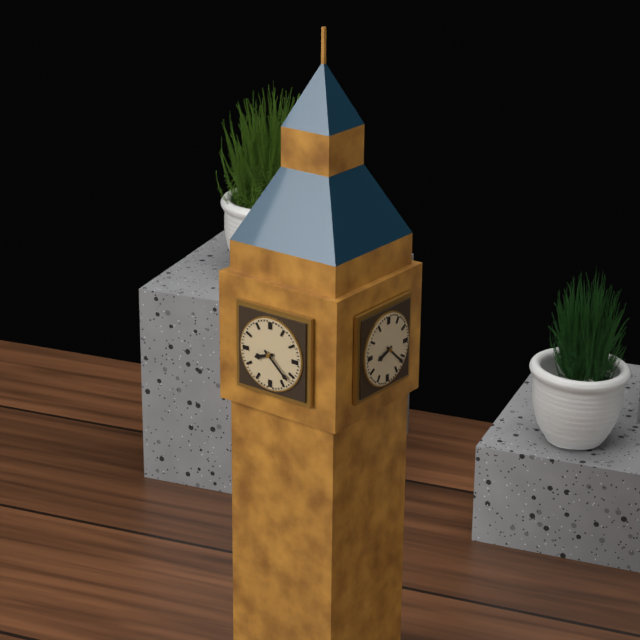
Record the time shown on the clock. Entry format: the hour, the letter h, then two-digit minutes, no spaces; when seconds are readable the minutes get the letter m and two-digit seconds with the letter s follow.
8h22
